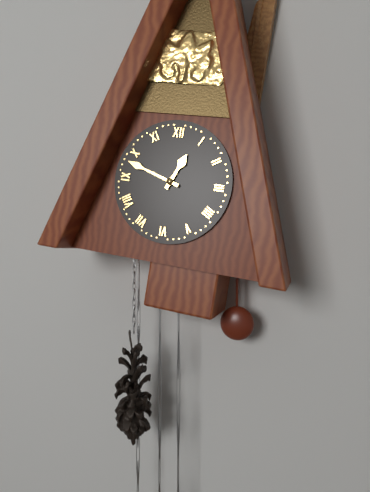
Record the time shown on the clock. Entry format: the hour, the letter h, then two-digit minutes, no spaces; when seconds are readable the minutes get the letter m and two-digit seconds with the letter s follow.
12h48
